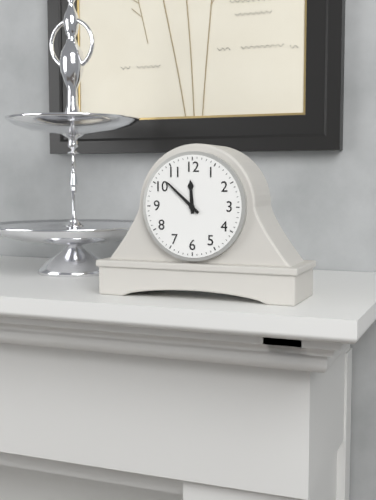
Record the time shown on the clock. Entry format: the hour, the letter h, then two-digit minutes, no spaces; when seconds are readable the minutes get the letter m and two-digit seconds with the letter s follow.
11h52
